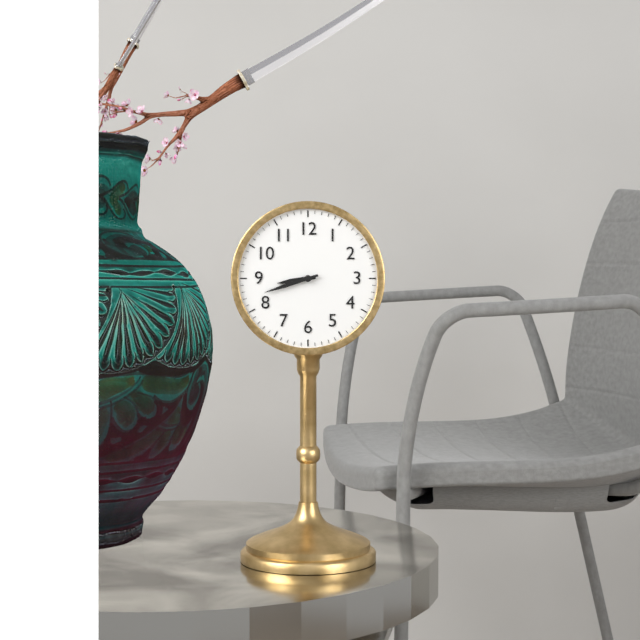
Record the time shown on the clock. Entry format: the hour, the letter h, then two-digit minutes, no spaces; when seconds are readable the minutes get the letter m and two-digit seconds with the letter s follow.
8h42
